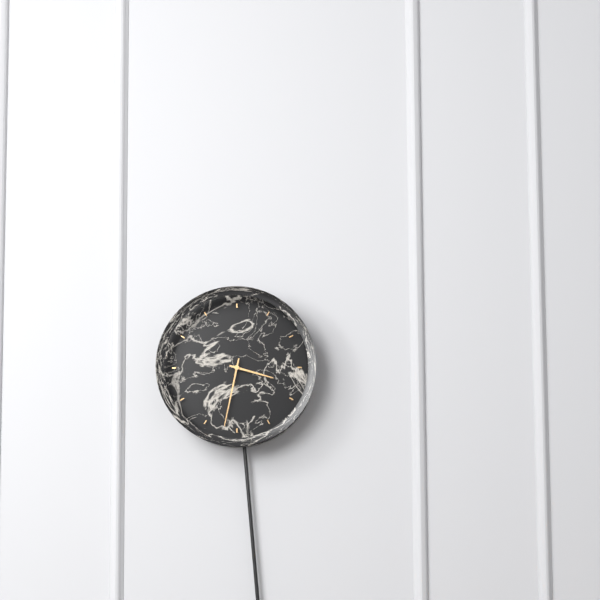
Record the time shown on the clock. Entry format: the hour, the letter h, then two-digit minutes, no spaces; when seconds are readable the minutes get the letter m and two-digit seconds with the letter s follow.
3h32
